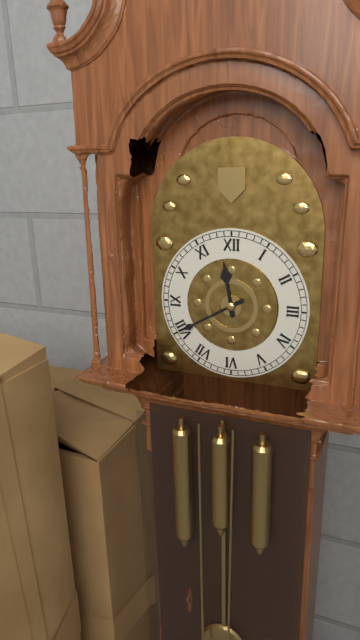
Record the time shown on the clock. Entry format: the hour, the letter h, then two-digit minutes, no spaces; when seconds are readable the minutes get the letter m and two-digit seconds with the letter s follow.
11h40
